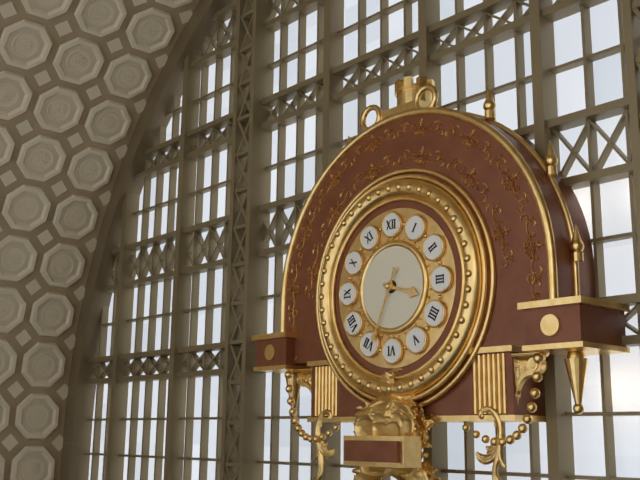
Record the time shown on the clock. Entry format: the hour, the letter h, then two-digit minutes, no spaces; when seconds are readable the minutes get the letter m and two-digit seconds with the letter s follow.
3h34
